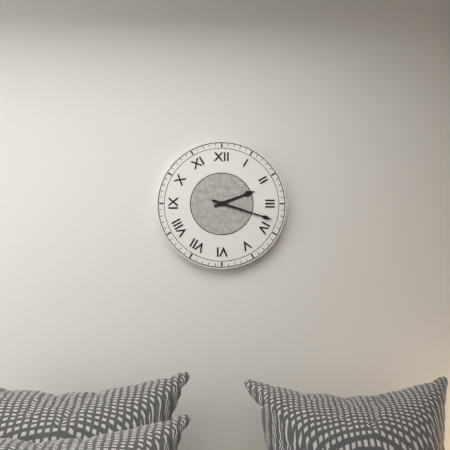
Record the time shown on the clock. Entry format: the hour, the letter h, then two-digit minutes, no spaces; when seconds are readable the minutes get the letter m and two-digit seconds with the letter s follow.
2h18
